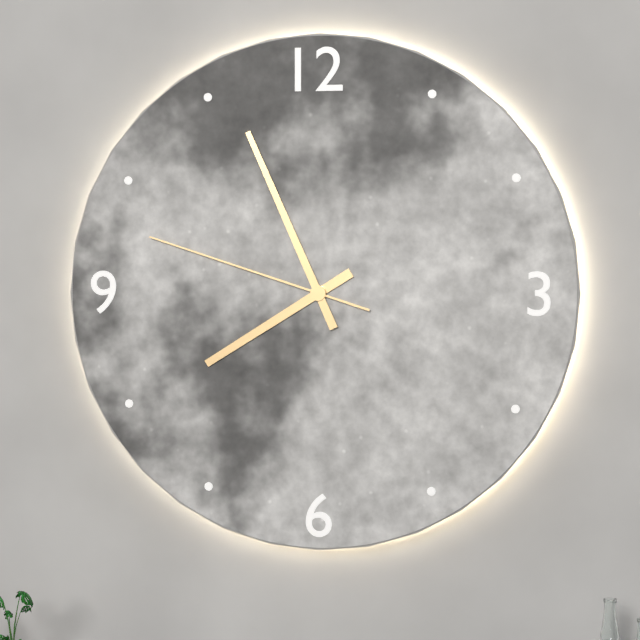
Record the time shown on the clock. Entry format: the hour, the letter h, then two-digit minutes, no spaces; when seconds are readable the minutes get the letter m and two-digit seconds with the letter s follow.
7h56m48s
